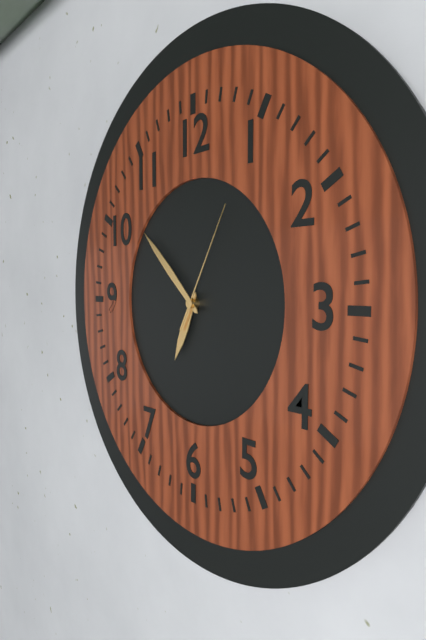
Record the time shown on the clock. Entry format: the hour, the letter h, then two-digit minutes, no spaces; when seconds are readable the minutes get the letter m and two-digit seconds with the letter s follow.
6h52m05s
